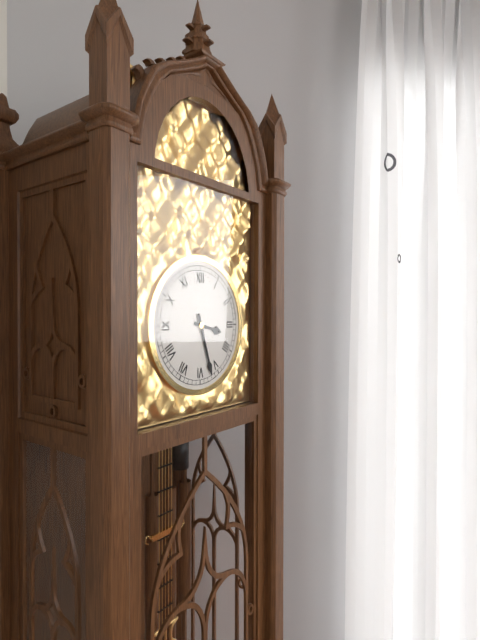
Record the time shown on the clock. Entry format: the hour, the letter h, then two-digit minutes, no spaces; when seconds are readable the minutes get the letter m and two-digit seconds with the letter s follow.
3h27
